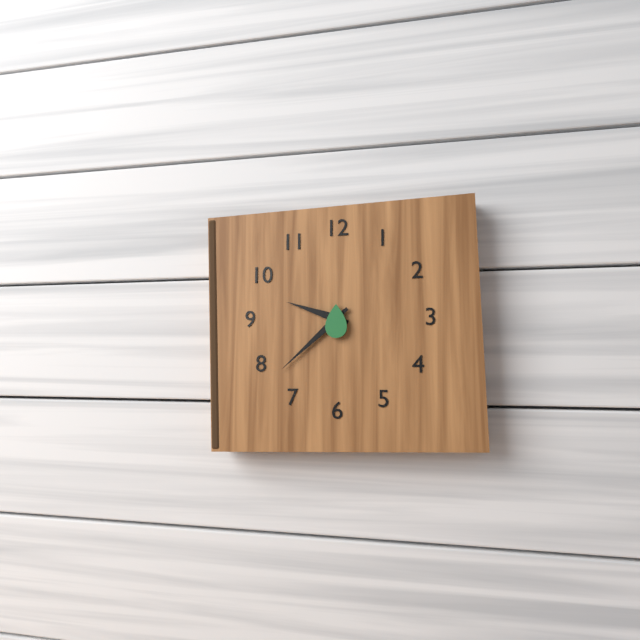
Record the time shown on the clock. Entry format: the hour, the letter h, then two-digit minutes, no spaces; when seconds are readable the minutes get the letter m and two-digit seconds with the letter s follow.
9h38
